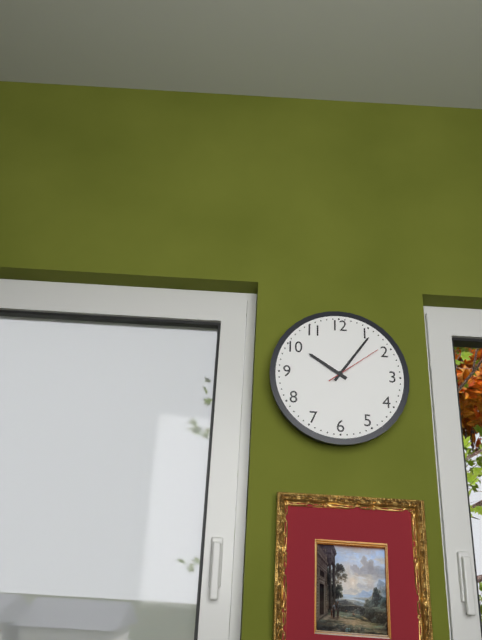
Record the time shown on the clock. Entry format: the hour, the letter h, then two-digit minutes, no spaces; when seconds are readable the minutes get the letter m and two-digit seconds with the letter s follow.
10h06m09s
